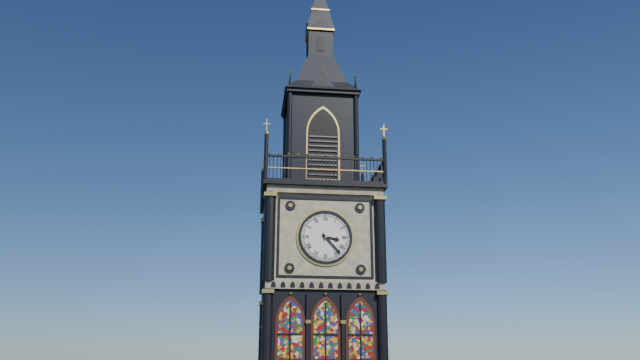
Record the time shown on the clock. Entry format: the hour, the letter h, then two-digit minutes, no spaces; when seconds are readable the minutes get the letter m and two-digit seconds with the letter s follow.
3h23
